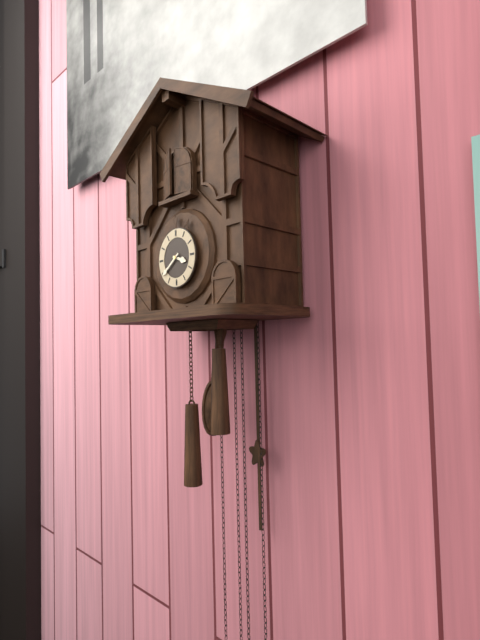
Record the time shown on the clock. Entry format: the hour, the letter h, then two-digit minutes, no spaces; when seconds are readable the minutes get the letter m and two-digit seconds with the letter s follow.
3h39
